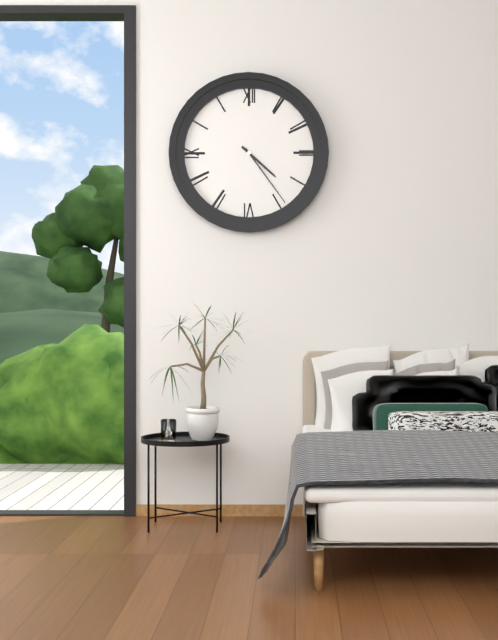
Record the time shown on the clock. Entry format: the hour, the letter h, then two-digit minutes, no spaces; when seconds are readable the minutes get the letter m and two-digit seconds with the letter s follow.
4h24
